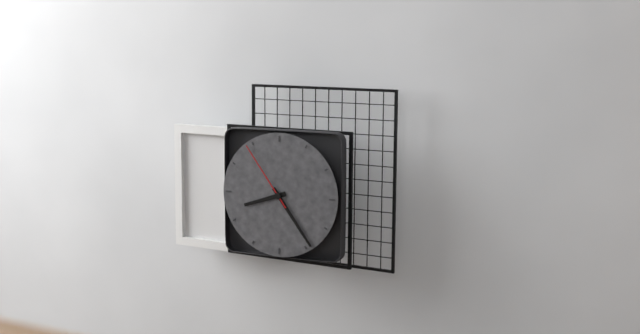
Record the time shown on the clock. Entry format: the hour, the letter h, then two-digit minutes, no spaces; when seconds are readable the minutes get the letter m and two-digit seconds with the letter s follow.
8h24m54s
